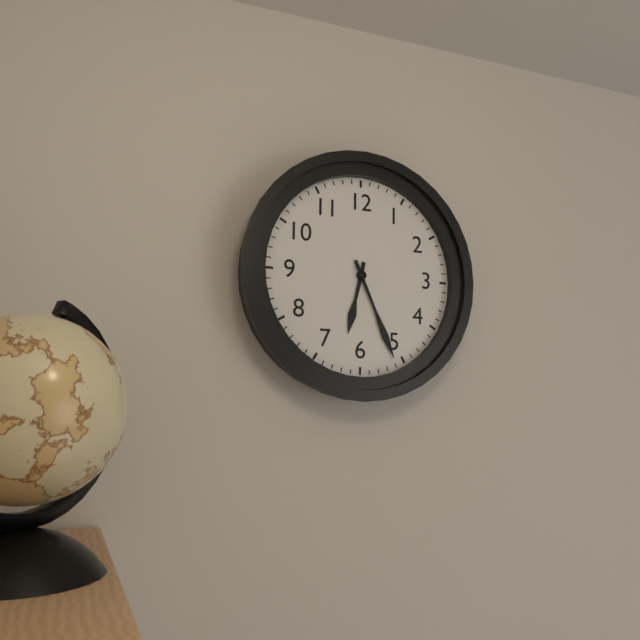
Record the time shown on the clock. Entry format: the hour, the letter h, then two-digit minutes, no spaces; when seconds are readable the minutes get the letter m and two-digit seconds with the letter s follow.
6h26
